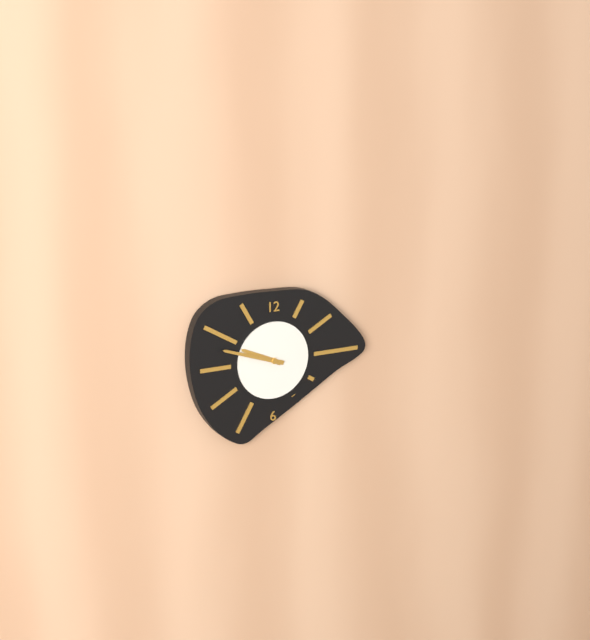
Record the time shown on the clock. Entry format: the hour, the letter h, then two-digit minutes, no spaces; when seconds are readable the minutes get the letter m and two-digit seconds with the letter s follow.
9h48
